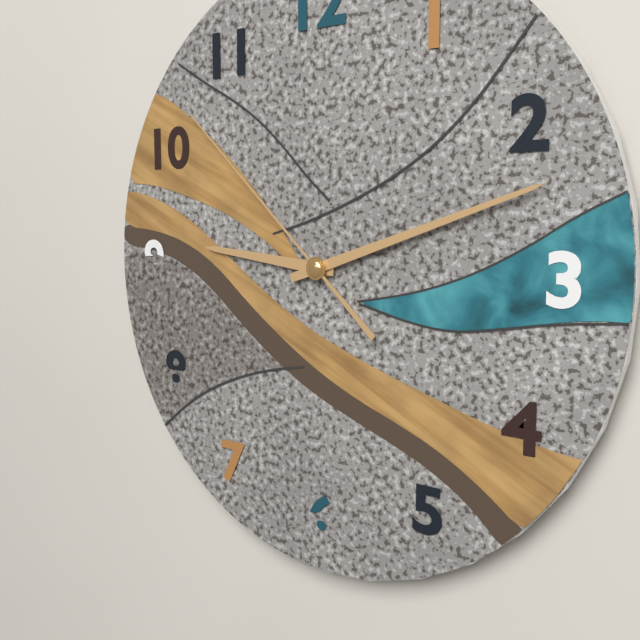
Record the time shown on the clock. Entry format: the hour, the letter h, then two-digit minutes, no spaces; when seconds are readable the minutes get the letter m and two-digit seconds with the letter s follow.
9h12m52s
